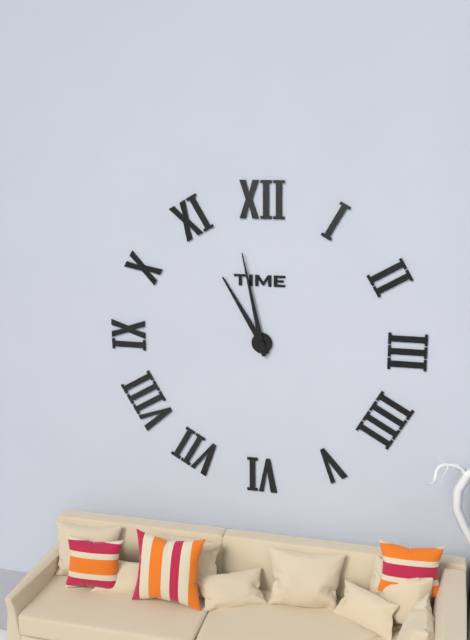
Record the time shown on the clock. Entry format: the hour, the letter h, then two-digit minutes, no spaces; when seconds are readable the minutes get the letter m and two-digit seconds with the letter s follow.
10h58
